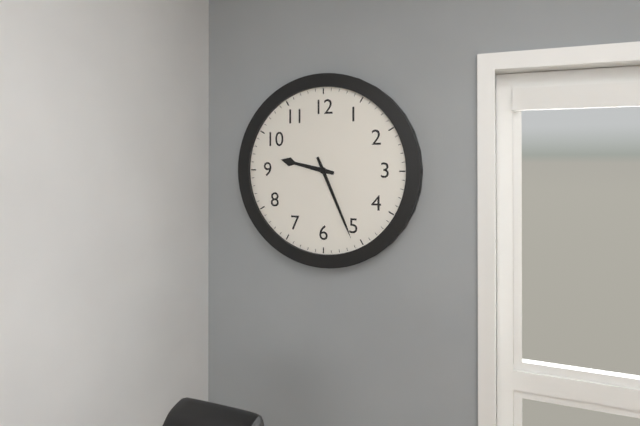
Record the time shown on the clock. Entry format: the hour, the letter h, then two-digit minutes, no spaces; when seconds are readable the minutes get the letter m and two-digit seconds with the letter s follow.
9h26
